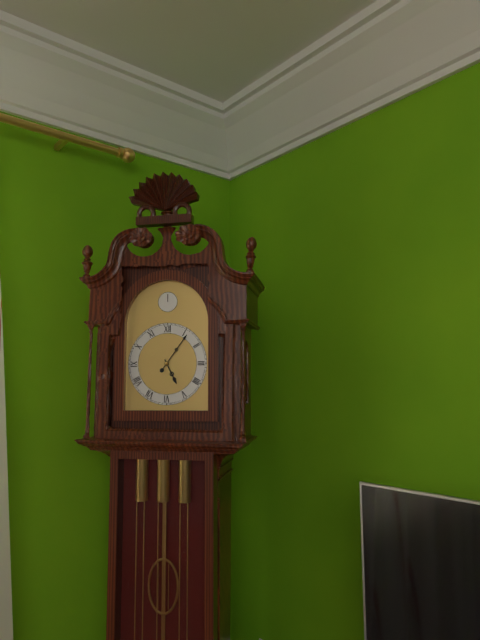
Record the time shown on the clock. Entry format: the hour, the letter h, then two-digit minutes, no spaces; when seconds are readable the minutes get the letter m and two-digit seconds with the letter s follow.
5h06
